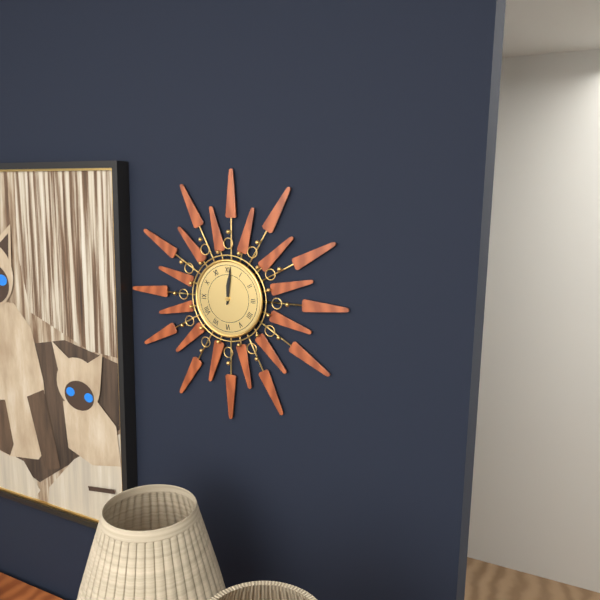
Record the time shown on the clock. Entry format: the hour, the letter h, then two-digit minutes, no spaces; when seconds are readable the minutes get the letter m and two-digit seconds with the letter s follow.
12h01
